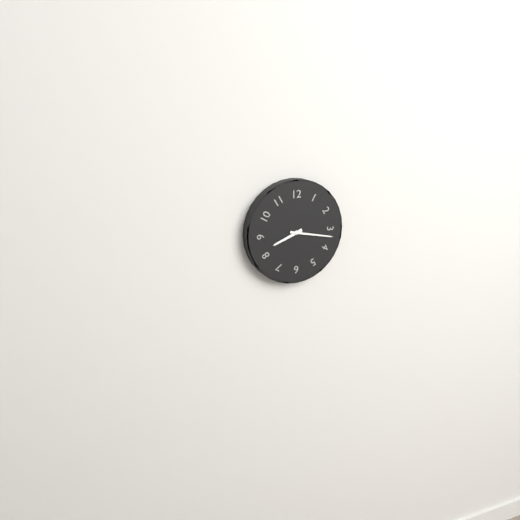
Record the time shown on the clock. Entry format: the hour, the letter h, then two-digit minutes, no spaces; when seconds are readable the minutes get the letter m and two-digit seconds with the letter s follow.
8h17
